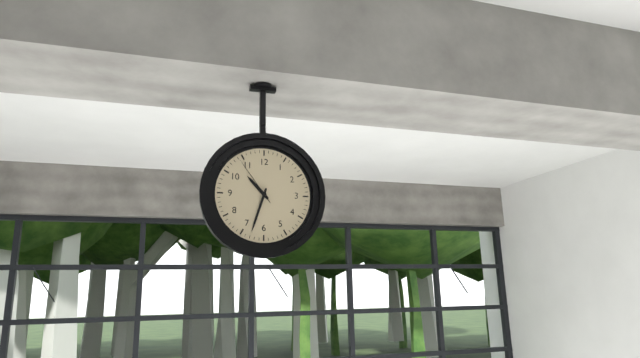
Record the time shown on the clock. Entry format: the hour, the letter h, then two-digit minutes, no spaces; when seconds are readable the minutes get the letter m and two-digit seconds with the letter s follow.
10h33m54s
